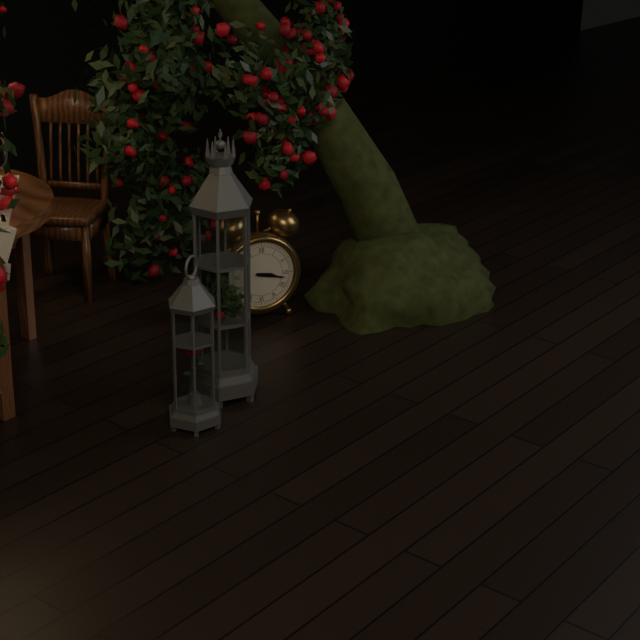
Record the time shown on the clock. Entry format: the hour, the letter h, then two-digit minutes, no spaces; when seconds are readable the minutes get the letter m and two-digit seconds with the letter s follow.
3h17
